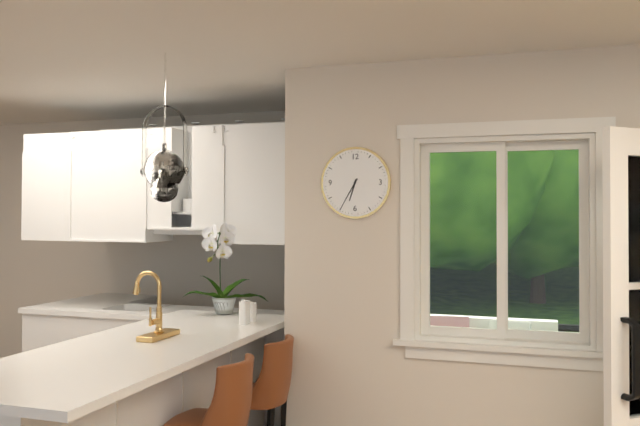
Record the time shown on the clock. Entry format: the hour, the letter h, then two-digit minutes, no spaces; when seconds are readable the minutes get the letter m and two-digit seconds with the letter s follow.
6h35
